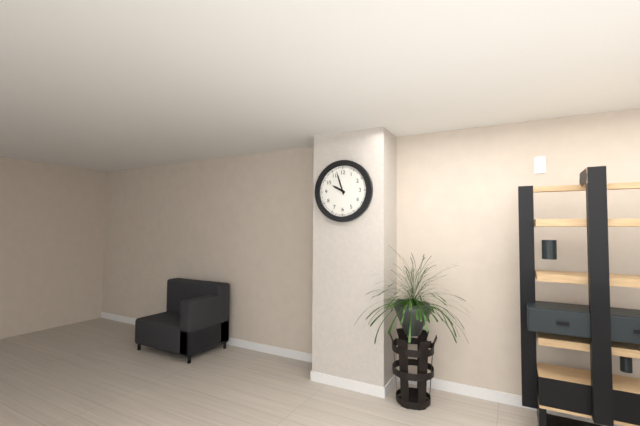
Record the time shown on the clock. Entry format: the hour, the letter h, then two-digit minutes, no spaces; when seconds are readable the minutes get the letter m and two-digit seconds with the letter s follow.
9h57
